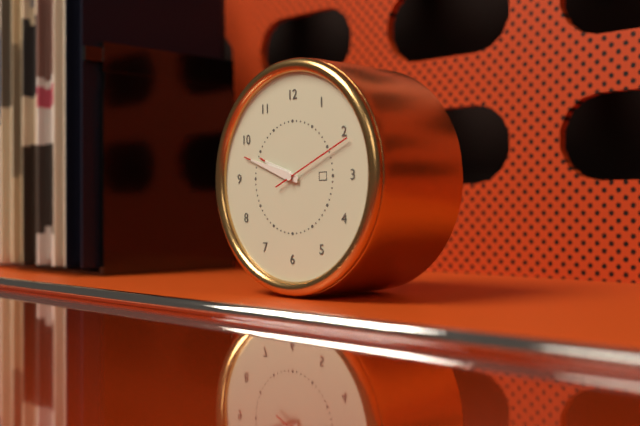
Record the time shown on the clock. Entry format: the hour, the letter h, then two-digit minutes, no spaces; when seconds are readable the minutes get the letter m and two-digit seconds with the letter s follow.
9h48m11s
